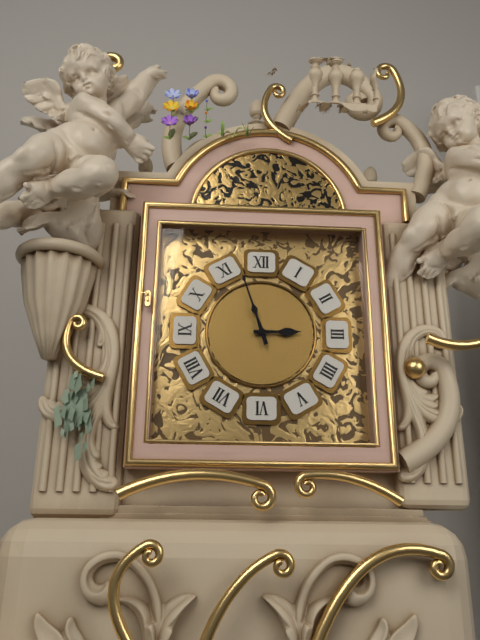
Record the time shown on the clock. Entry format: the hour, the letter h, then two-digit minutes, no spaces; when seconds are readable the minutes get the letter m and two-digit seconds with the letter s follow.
2h57
